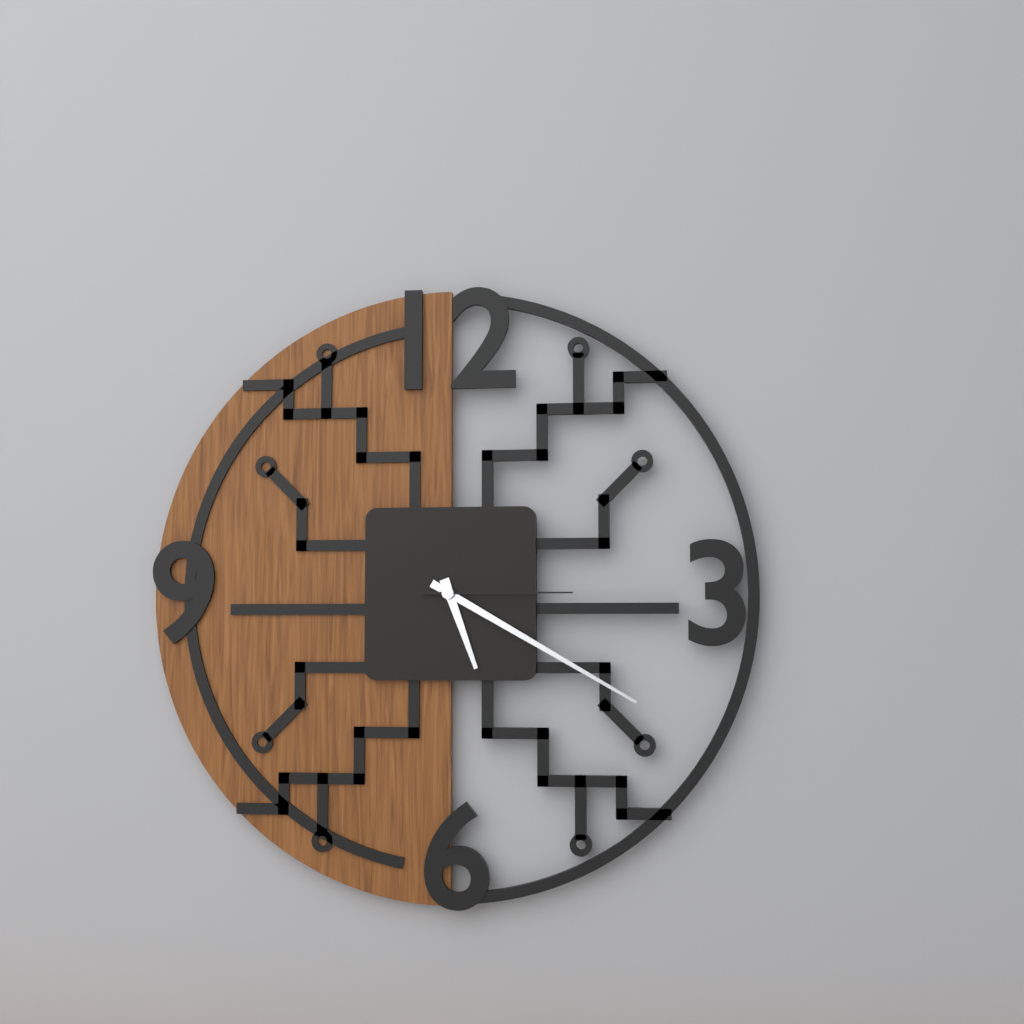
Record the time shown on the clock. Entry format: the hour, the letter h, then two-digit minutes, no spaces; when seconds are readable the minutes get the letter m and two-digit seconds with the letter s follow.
5h20m15s
